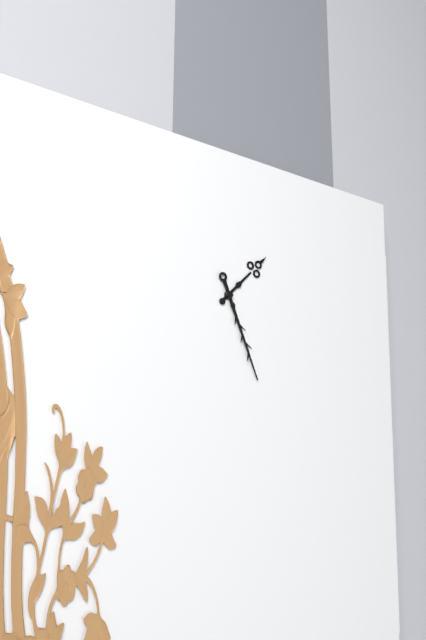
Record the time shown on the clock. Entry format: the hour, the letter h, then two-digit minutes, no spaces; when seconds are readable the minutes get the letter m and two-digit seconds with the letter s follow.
1h26
